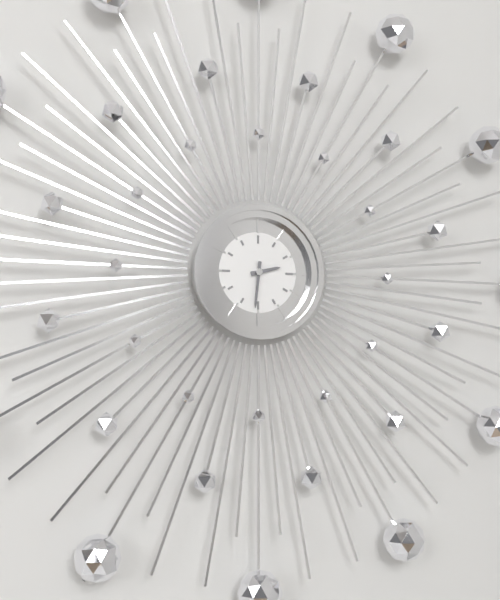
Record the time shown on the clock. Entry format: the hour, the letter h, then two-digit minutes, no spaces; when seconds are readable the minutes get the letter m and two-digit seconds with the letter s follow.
2h31
